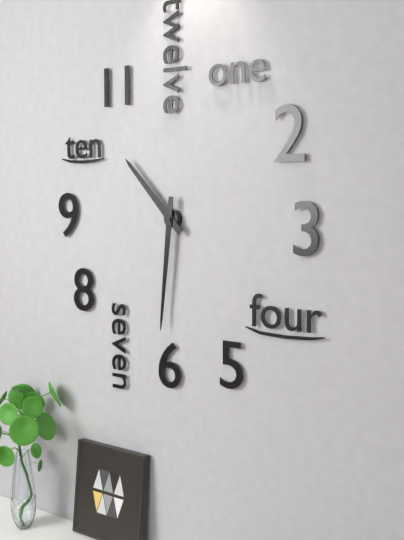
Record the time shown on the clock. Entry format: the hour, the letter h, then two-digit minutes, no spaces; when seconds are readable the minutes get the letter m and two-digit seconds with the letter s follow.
10h31
